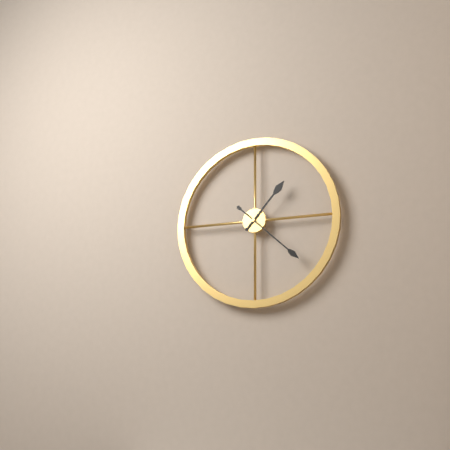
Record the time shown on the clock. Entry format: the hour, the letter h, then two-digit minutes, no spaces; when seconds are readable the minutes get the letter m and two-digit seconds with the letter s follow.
1h22
